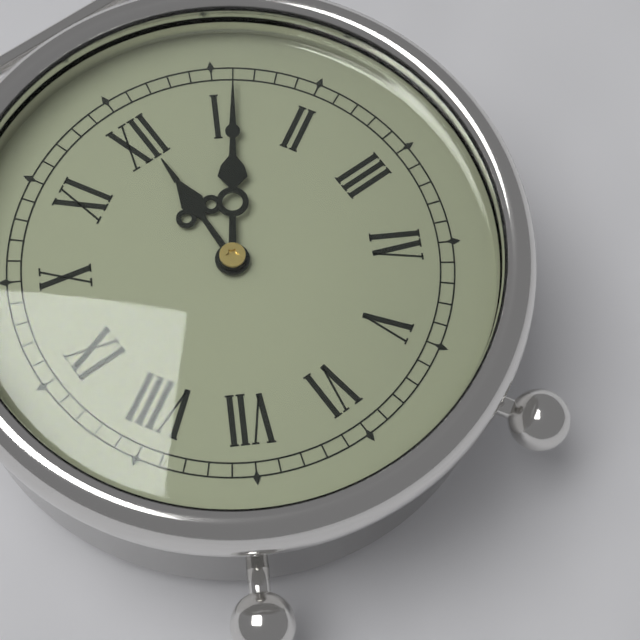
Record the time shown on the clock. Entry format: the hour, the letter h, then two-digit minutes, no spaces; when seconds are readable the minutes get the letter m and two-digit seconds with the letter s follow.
12h06
